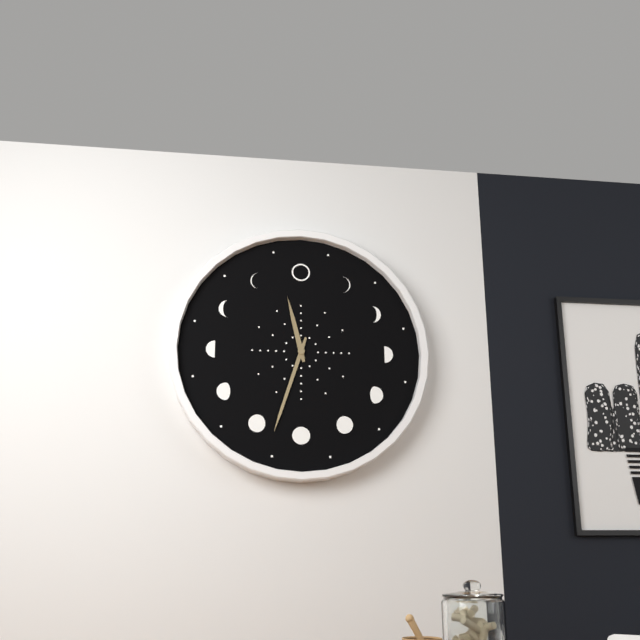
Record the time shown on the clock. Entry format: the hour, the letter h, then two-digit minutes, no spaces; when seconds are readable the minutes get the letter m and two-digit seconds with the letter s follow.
11h33
